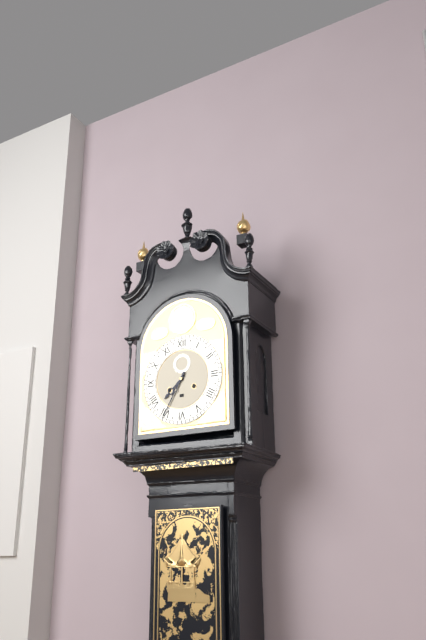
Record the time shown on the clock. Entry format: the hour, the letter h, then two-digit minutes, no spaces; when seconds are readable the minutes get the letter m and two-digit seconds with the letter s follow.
7h35
